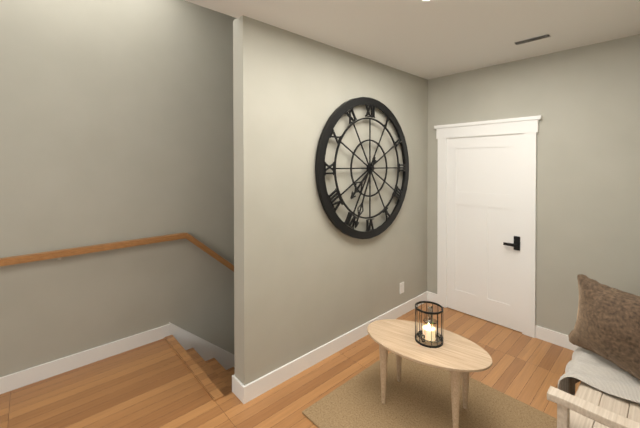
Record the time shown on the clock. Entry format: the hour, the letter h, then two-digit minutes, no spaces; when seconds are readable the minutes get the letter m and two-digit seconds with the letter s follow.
7h34
